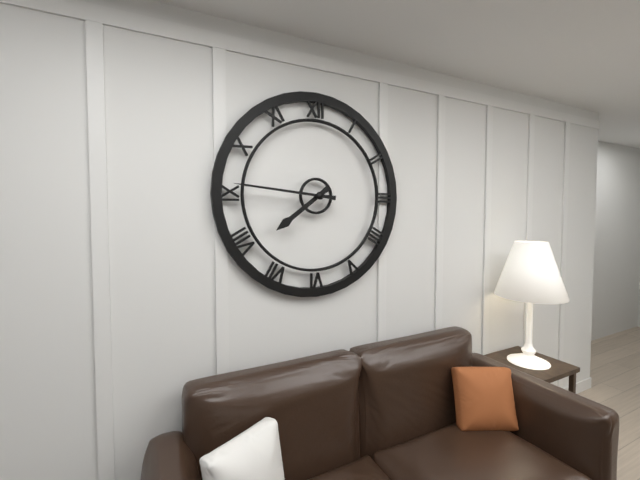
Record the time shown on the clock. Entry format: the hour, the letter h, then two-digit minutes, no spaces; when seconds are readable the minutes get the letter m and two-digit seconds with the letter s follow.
7h46
